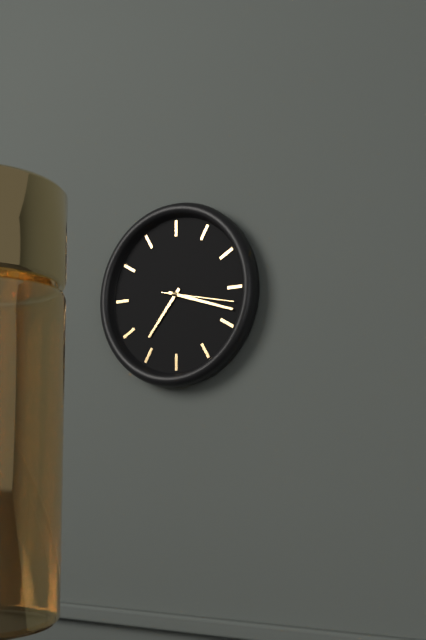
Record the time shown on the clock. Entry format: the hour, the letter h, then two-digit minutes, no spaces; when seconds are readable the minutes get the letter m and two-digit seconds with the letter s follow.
7h18m17s
